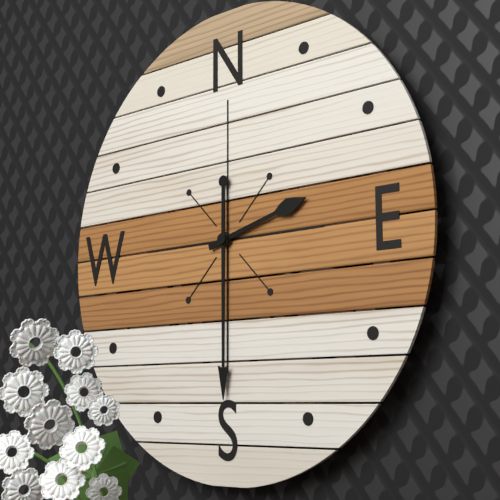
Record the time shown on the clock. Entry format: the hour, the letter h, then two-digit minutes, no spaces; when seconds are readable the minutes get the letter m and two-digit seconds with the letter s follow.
2h30
